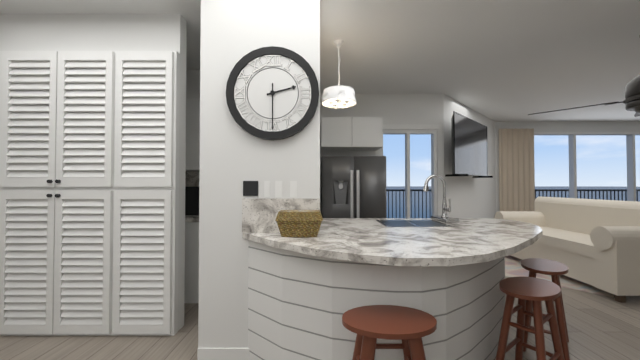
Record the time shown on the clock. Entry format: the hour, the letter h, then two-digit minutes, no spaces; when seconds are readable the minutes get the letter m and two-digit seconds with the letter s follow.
2h30
